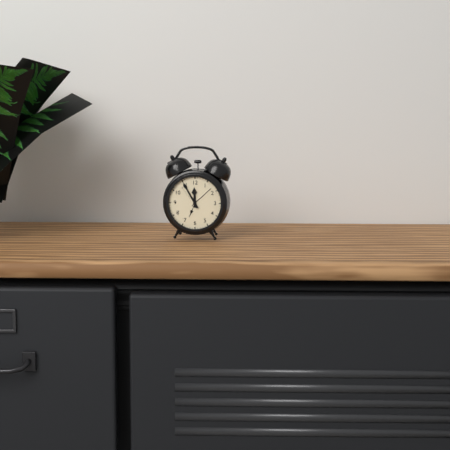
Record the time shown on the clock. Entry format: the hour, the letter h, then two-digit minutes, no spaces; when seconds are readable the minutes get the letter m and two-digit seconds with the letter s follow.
11h55
